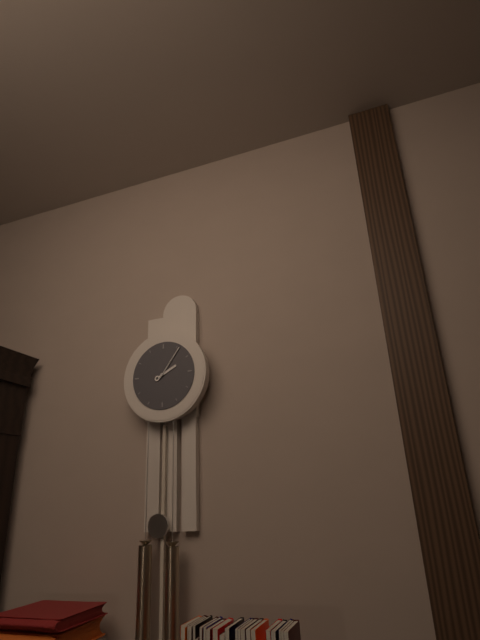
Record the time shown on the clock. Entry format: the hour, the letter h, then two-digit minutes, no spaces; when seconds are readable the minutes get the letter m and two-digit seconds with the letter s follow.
2h06
